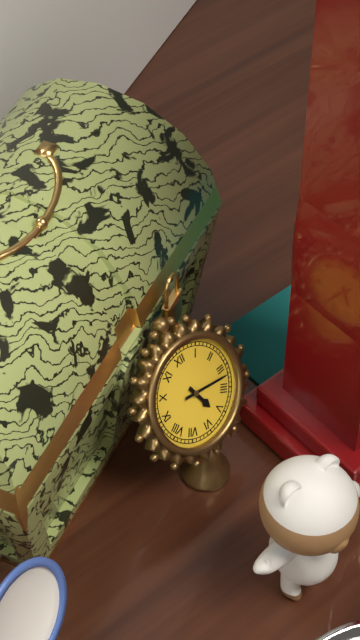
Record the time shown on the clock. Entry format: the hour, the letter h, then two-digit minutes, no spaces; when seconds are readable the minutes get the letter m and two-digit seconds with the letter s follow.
5h17
